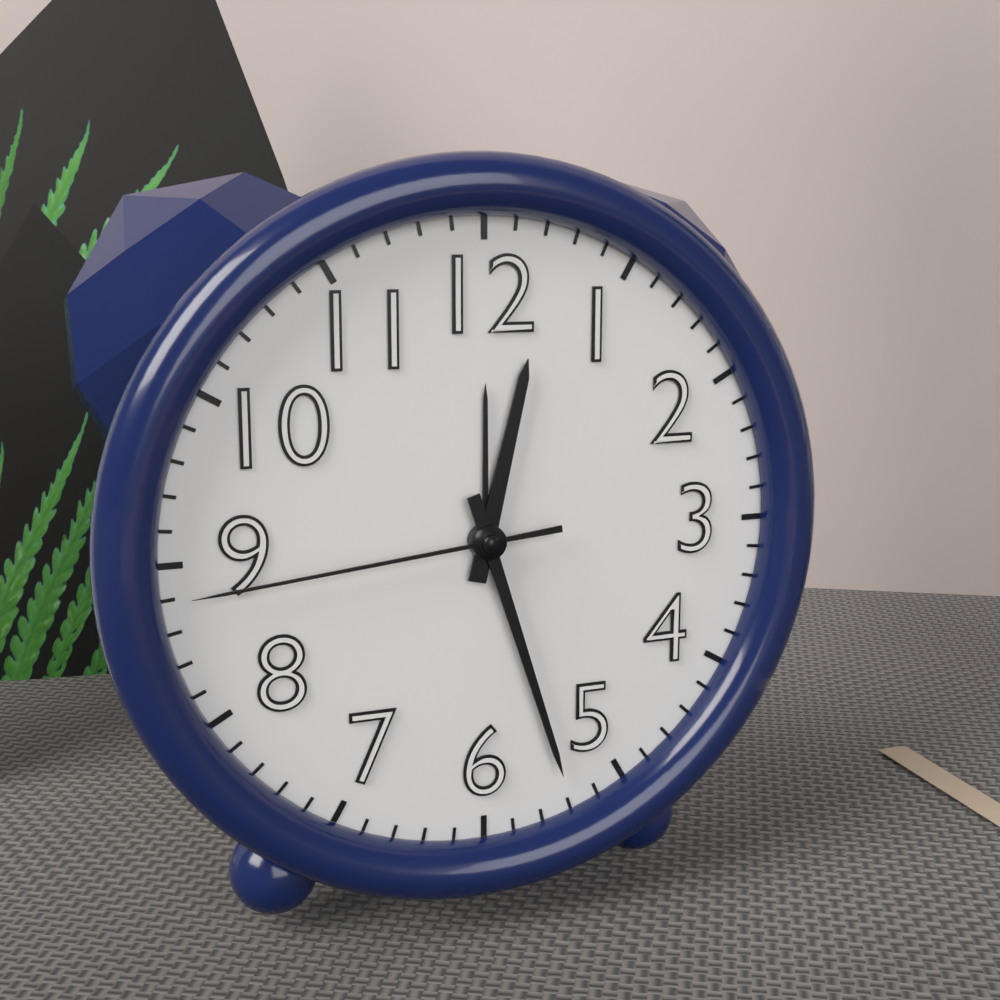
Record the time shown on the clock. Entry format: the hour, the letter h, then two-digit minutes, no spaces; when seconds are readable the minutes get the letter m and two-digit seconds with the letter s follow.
12h27m44s
